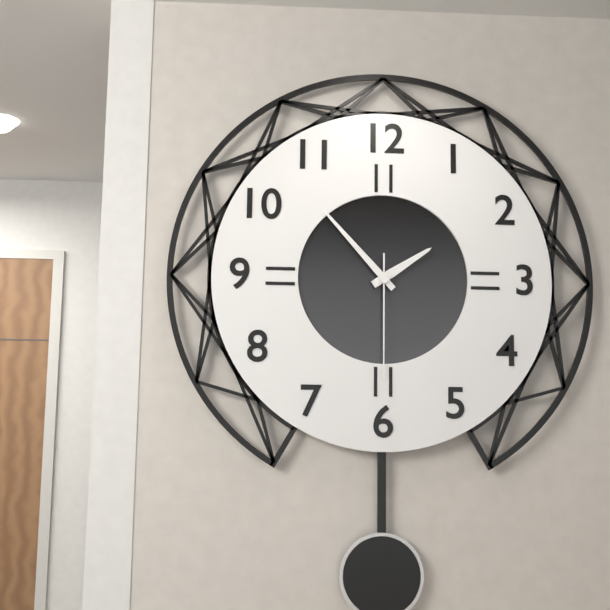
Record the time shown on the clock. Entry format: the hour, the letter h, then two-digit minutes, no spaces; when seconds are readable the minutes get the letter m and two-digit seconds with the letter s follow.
1h53m30s
